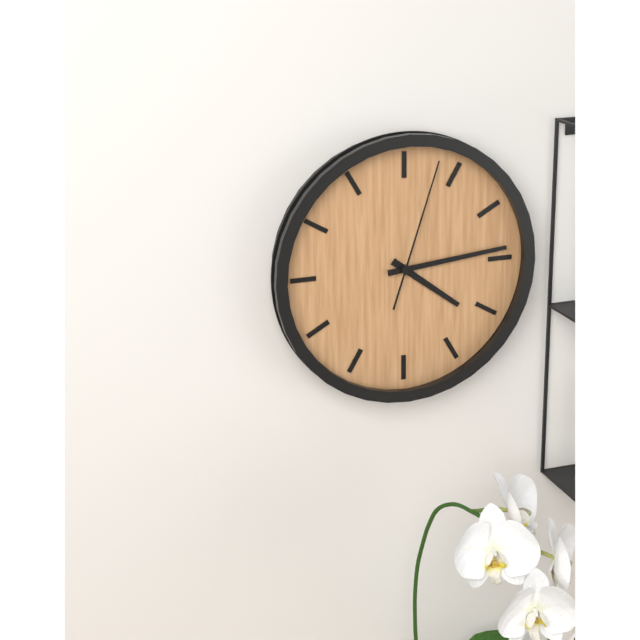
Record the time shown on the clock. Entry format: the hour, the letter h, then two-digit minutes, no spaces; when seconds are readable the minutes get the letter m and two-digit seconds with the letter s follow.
4h14m03s
